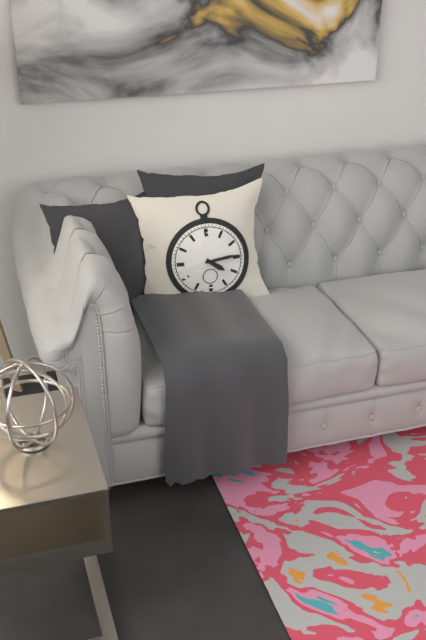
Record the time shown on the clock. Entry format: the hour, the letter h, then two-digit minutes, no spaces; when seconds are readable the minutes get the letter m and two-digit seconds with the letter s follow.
4h14
